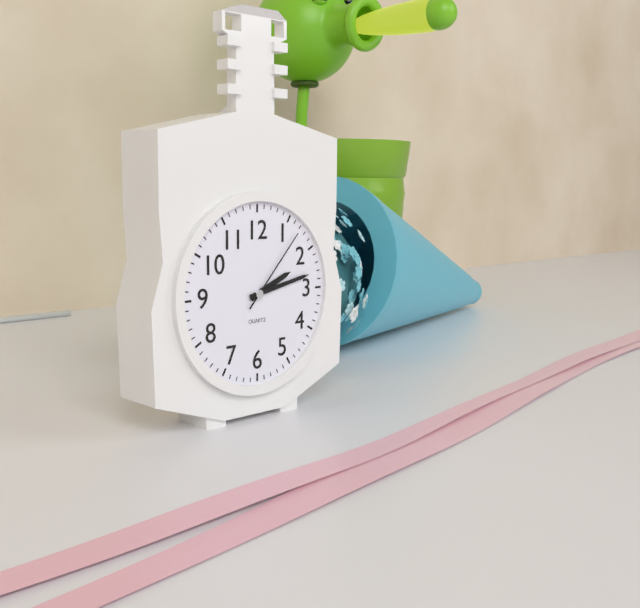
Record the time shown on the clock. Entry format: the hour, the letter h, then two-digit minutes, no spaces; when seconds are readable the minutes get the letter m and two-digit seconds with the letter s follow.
2h13m07s
